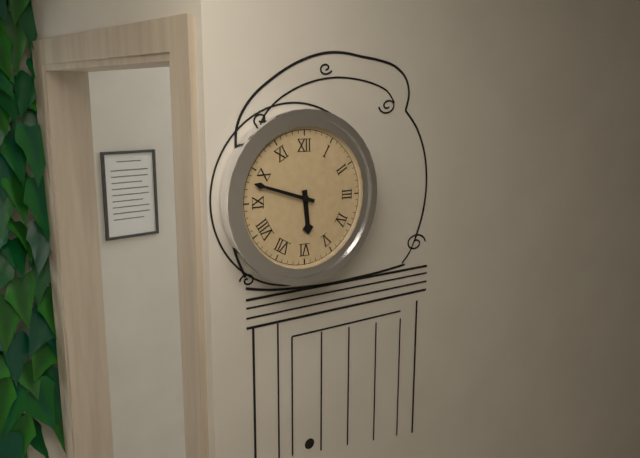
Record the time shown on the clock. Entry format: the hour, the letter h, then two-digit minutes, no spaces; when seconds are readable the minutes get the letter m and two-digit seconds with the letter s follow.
5h48
